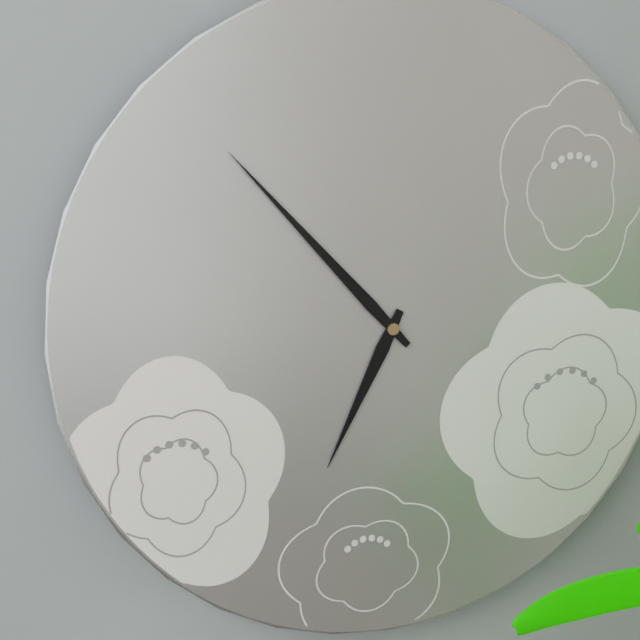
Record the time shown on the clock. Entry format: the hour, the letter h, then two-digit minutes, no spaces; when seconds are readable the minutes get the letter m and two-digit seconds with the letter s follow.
6h53
